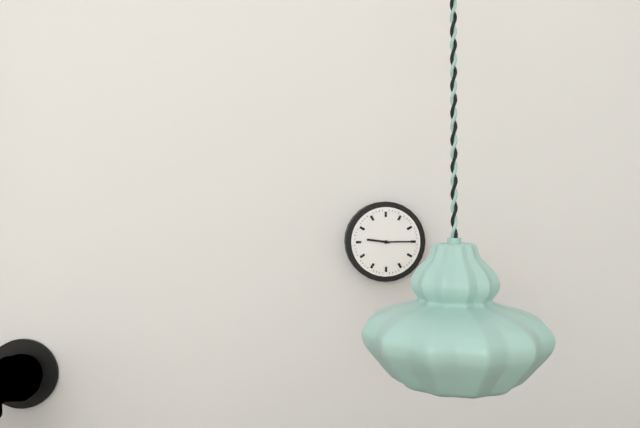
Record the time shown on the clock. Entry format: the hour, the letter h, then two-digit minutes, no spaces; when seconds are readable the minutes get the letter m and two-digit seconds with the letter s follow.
9h15
